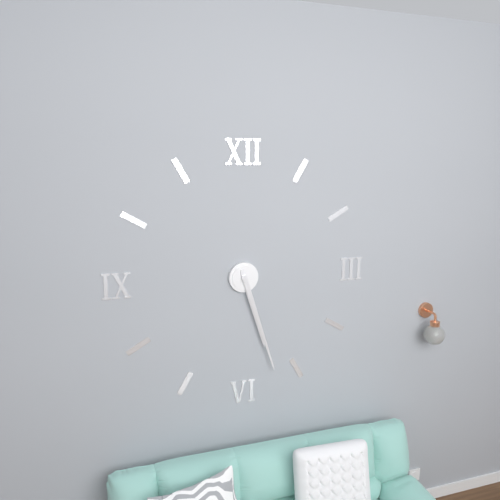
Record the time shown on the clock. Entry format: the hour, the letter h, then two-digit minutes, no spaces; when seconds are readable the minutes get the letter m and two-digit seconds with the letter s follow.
5h27
